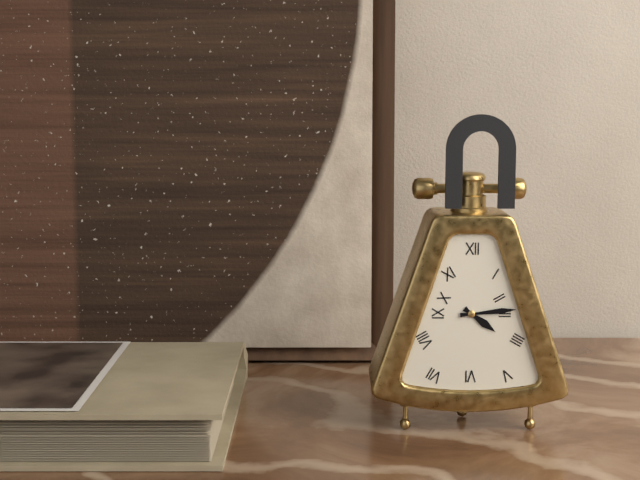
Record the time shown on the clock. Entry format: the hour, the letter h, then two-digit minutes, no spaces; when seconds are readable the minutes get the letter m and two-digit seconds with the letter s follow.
4h14
